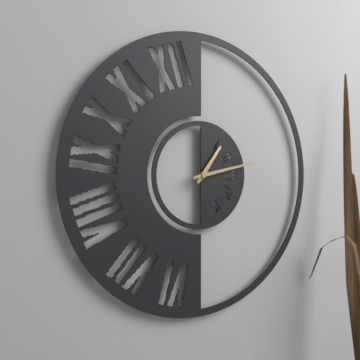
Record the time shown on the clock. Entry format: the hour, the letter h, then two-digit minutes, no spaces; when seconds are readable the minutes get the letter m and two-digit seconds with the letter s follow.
1h13
